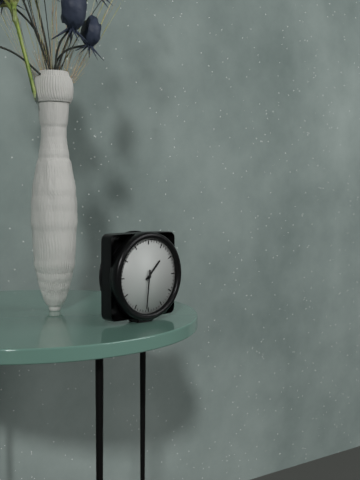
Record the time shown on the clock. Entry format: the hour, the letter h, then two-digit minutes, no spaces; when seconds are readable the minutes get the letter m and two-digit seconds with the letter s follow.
1h31
